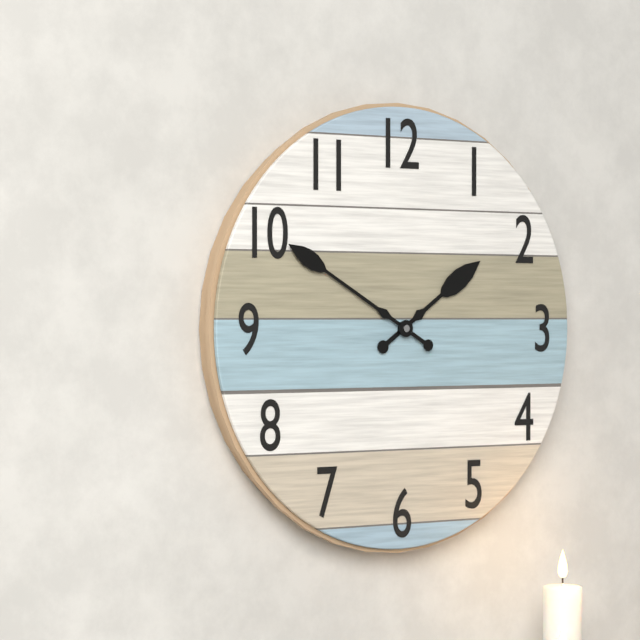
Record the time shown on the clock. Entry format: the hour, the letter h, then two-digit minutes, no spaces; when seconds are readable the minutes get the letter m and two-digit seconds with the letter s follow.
1h50
